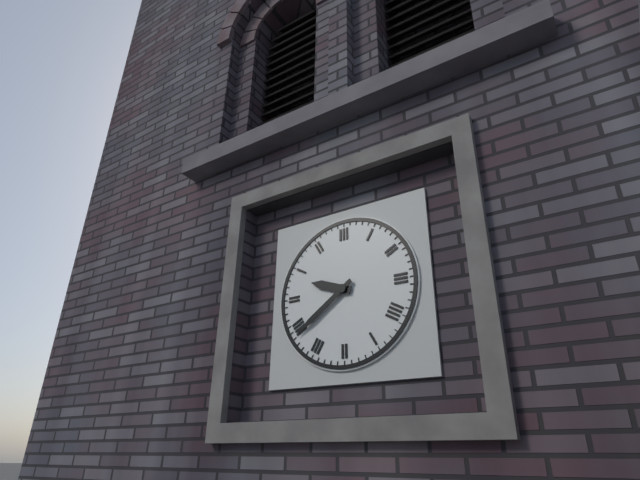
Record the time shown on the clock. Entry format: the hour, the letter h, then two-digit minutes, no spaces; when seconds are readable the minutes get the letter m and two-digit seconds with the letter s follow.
9h39
